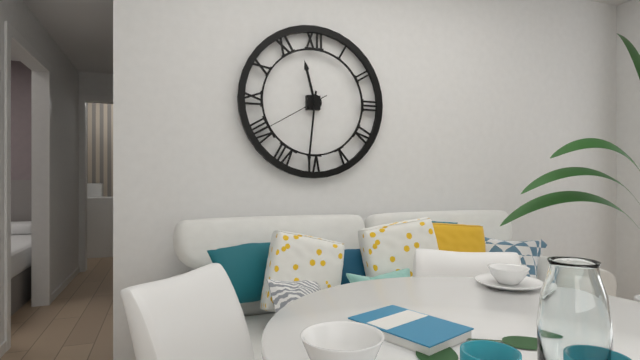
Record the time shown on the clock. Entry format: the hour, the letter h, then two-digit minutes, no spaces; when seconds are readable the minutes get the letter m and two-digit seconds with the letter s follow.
11h31m40s
